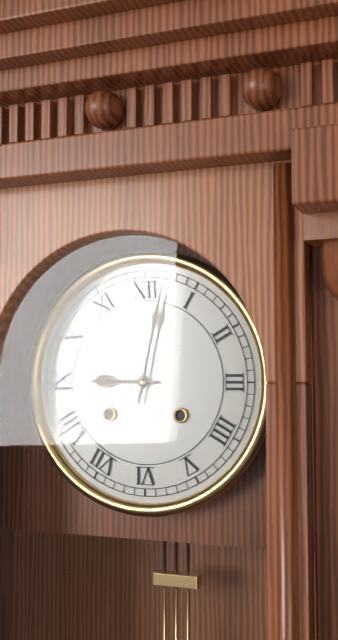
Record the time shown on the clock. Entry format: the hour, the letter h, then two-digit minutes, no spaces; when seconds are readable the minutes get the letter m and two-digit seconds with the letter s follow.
9h02
